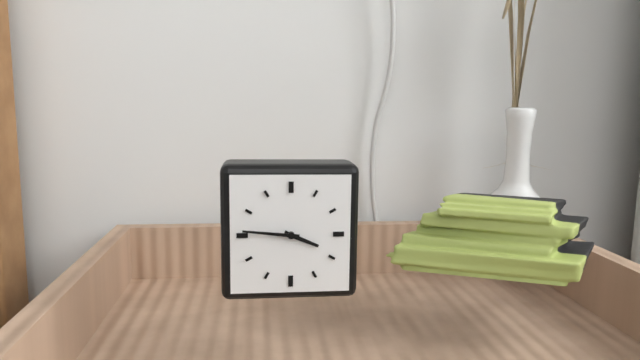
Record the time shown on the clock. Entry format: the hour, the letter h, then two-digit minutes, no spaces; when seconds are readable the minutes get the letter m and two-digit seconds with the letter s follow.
3h46
